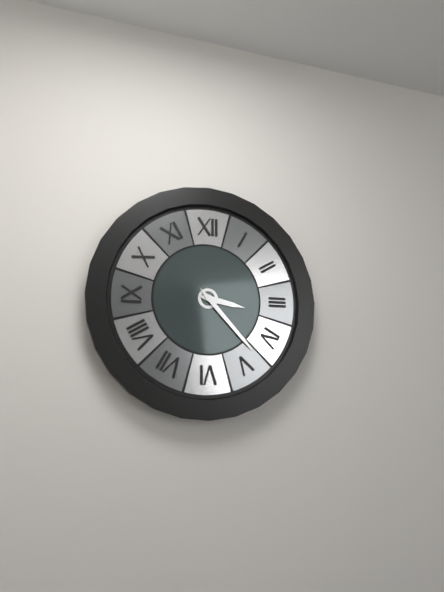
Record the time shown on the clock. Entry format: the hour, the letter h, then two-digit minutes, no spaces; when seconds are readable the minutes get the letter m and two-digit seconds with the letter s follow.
3h23
